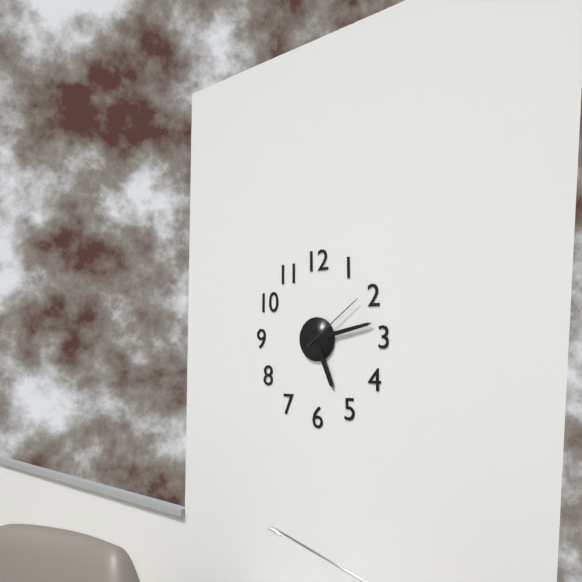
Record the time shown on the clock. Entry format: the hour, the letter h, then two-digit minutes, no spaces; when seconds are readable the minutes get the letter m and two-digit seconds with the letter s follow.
5h13m09s
